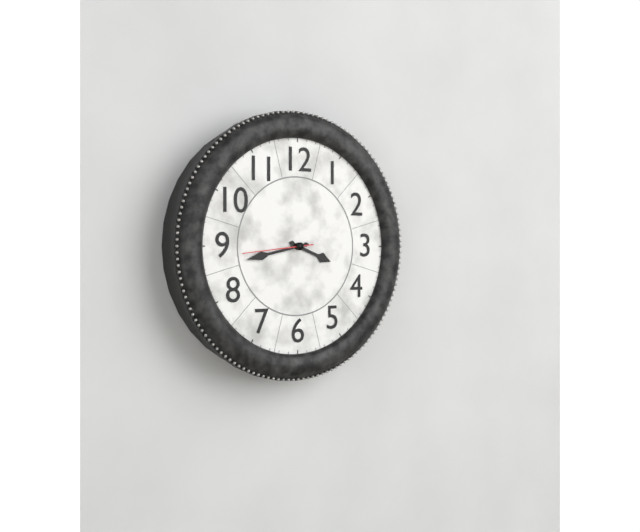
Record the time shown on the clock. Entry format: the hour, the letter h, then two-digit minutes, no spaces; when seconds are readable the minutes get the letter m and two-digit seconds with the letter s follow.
3h43m44s
